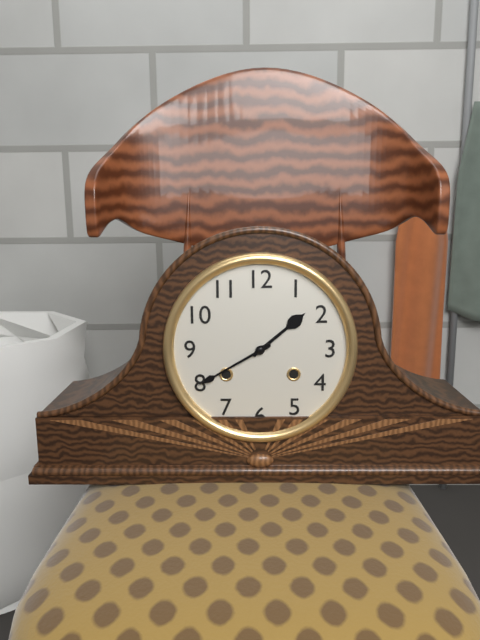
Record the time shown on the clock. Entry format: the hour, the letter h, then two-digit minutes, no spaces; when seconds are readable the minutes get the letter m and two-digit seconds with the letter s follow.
1h40
